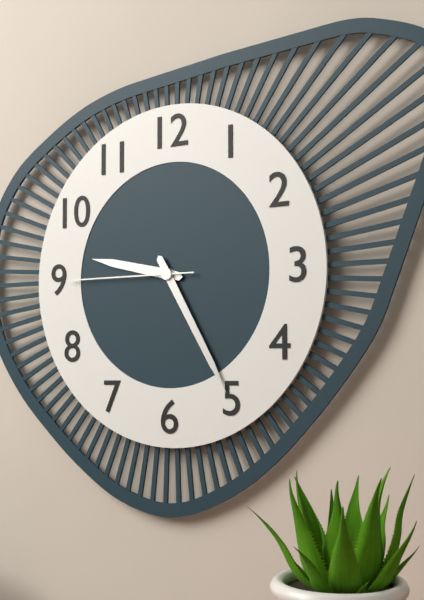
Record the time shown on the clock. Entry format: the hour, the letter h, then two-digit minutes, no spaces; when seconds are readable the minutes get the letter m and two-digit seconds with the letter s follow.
9h25m45s
